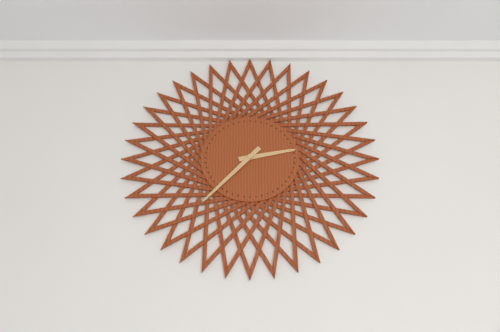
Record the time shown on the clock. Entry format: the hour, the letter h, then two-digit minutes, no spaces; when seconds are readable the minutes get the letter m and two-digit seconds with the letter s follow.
2h37
